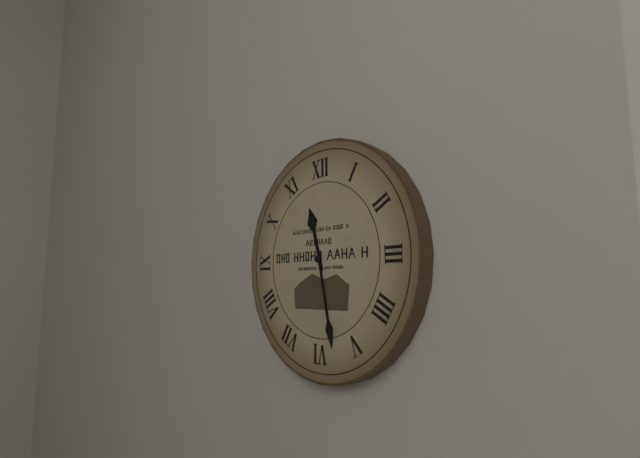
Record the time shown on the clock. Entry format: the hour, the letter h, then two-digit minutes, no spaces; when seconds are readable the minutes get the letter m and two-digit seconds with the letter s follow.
11h28
